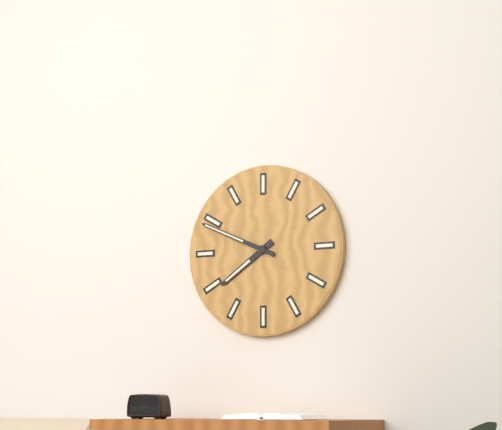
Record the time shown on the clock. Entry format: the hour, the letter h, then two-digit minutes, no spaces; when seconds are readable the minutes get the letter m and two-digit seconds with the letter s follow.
7h49
